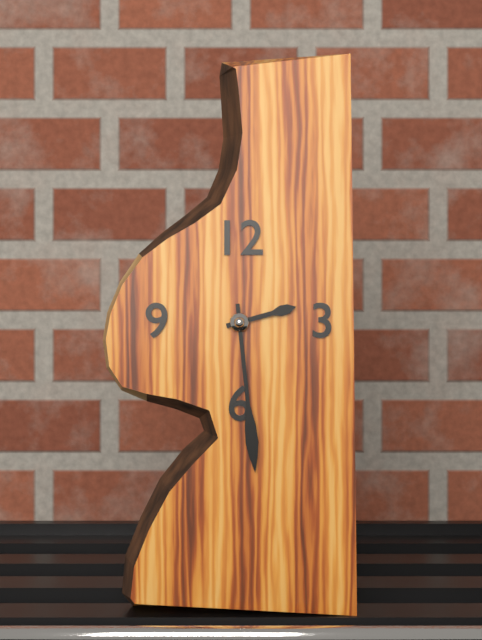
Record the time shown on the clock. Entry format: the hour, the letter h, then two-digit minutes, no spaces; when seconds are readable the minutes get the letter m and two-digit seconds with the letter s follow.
2h29
